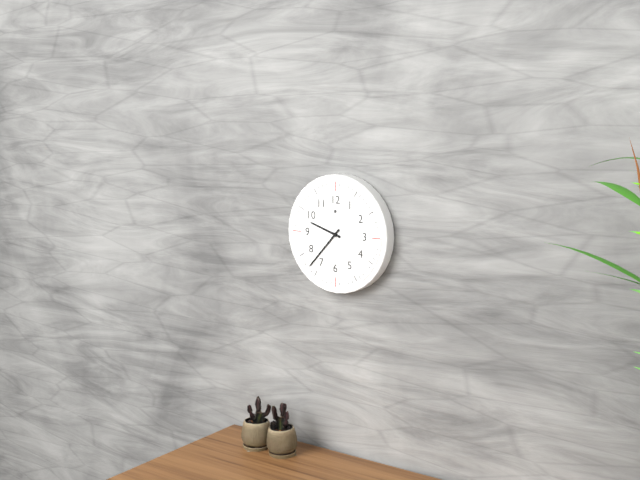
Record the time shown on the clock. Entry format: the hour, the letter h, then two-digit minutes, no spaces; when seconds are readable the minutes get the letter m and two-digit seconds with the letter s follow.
9h37
